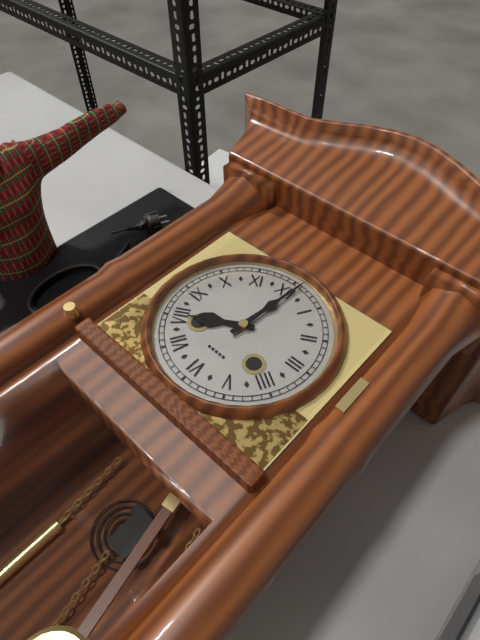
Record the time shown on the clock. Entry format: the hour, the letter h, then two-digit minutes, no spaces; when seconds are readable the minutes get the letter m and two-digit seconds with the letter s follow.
8h01
